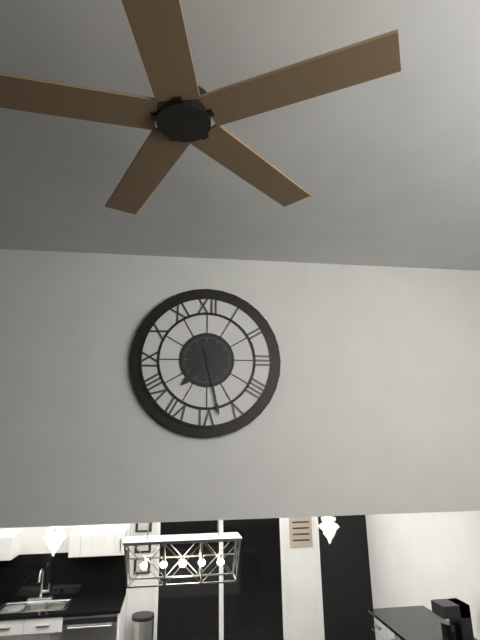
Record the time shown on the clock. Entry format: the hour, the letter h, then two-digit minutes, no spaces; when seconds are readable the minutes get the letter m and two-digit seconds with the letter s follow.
7h28
